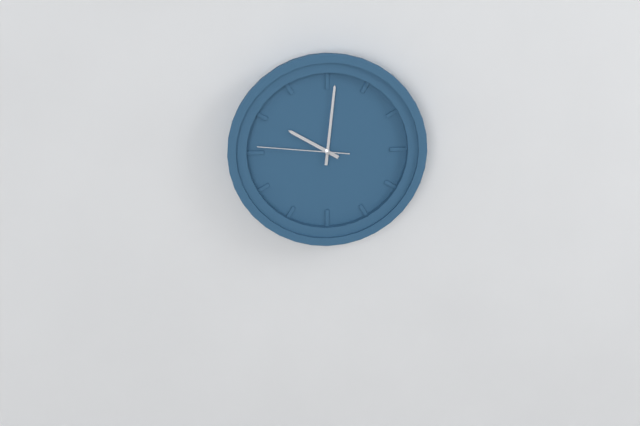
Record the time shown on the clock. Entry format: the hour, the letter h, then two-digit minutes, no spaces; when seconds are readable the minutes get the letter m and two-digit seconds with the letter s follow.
10h01m46s
